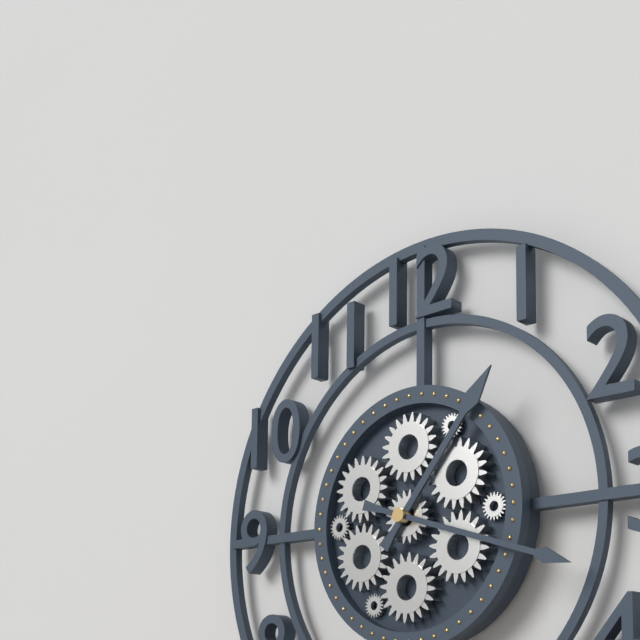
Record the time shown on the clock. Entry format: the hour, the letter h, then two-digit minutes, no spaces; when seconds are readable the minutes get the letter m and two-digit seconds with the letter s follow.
1h18
